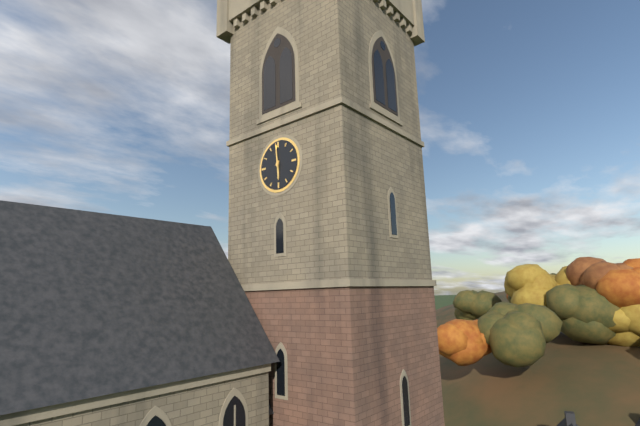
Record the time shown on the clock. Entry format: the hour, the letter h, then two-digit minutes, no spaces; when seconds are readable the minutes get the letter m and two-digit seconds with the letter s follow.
5h59
